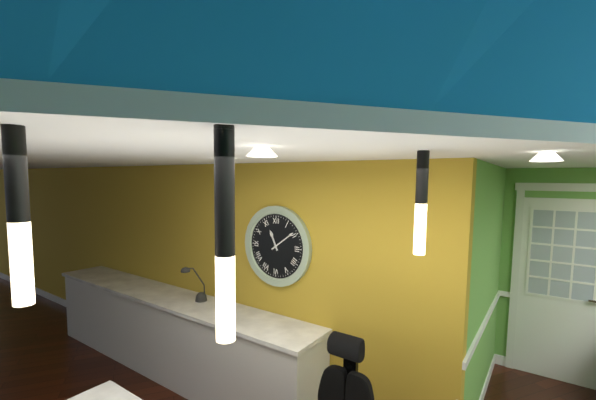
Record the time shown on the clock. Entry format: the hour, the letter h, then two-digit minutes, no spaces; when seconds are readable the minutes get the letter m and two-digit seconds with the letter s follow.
11h09
